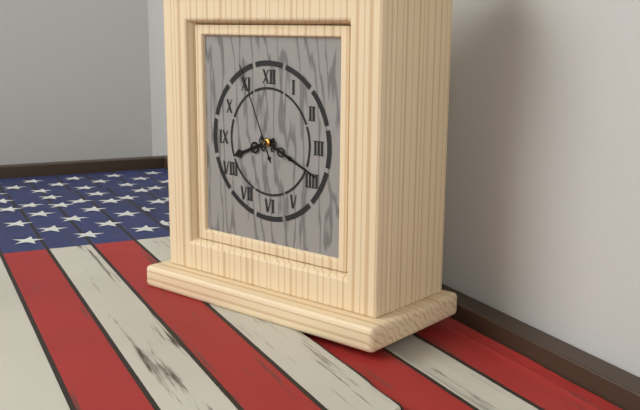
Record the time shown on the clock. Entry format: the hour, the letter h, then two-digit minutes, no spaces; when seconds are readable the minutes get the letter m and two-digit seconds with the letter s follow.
8h19m56s
